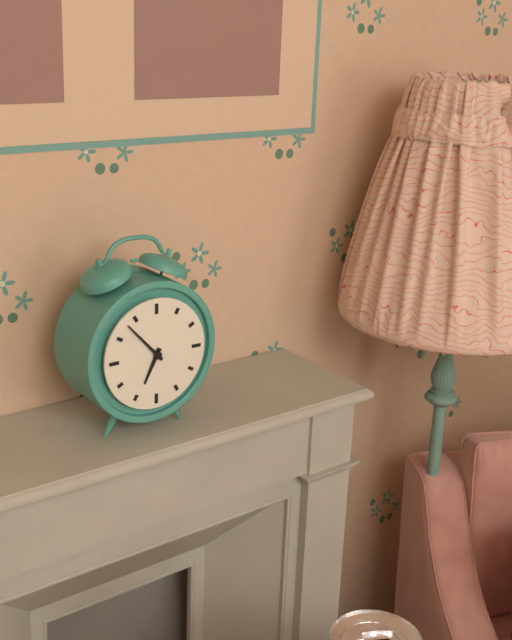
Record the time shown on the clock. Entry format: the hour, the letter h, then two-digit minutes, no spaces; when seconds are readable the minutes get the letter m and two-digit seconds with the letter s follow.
6h53
